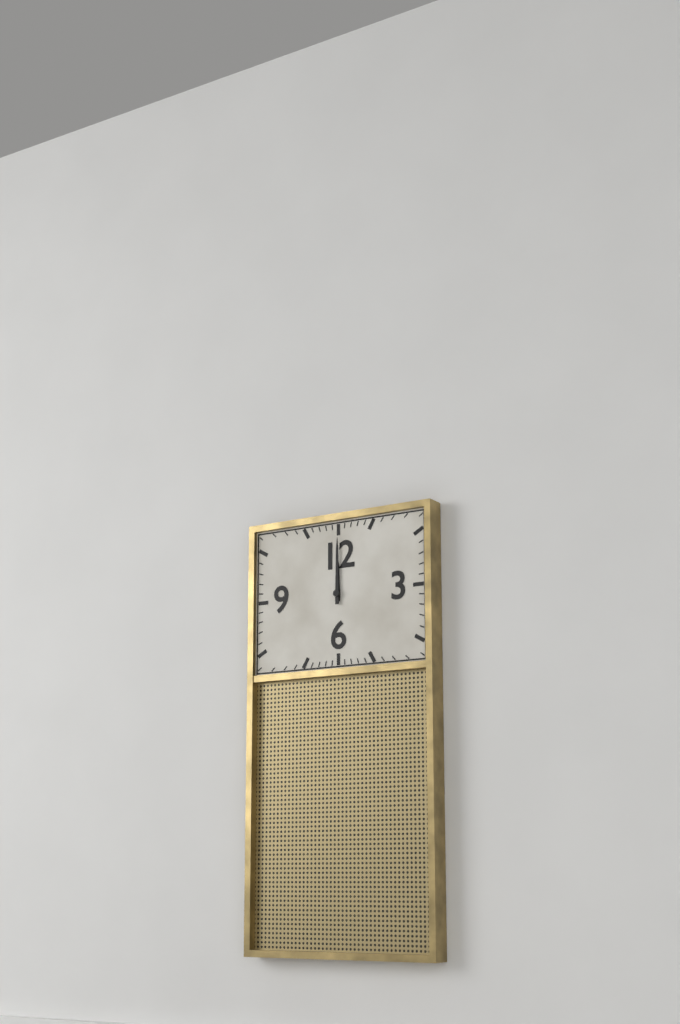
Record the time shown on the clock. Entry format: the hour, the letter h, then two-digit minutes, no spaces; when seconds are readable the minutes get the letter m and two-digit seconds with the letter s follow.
12h00
